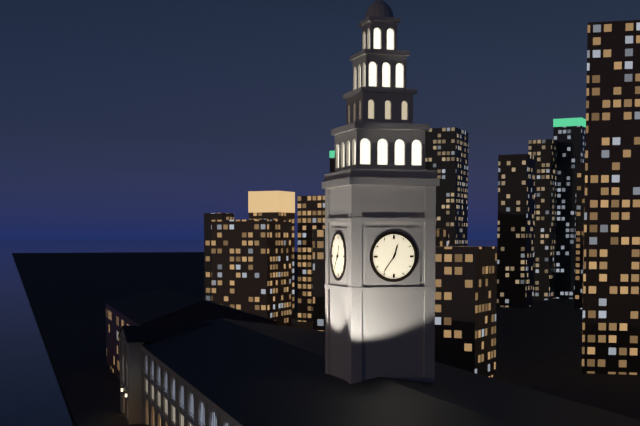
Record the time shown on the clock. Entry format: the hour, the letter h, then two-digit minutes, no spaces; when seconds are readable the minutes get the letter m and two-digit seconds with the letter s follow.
12h36
